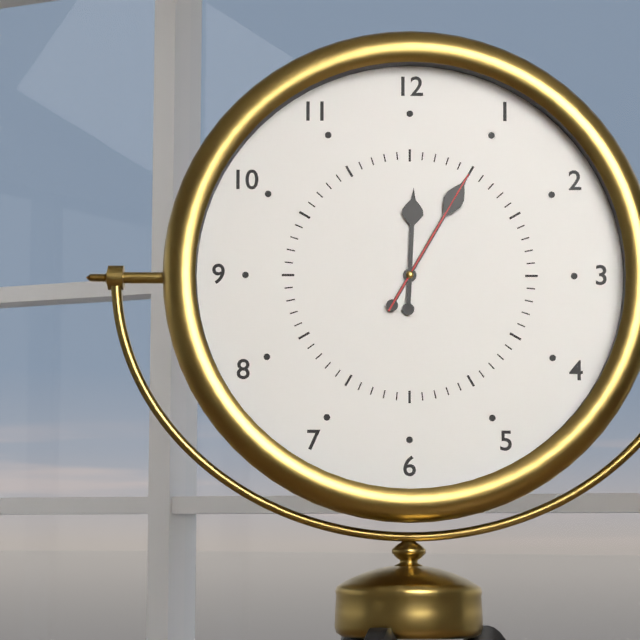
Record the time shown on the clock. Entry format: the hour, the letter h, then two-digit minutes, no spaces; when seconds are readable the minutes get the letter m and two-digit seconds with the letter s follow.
12h05m05s
